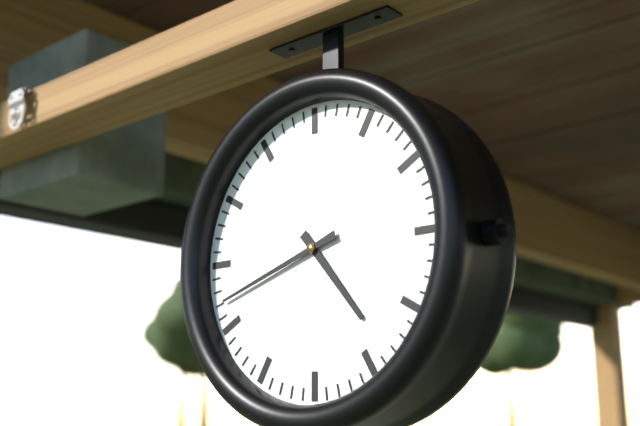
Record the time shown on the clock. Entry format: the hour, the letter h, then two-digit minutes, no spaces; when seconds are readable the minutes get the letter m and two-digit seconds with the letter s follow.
4h42
